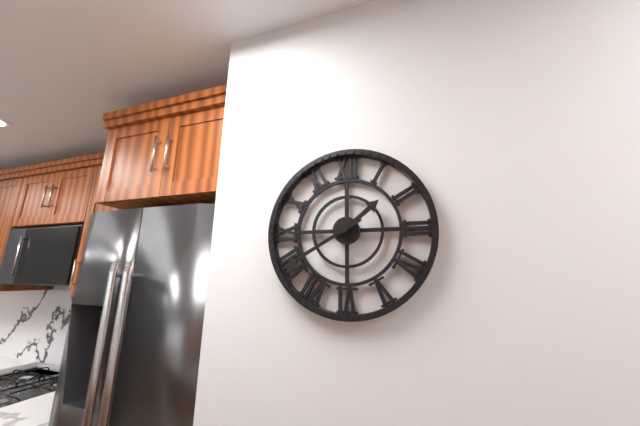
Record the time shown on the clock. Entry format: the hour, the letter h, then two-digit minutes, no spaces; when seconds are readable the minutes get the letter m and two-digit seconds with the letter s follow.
1h40
